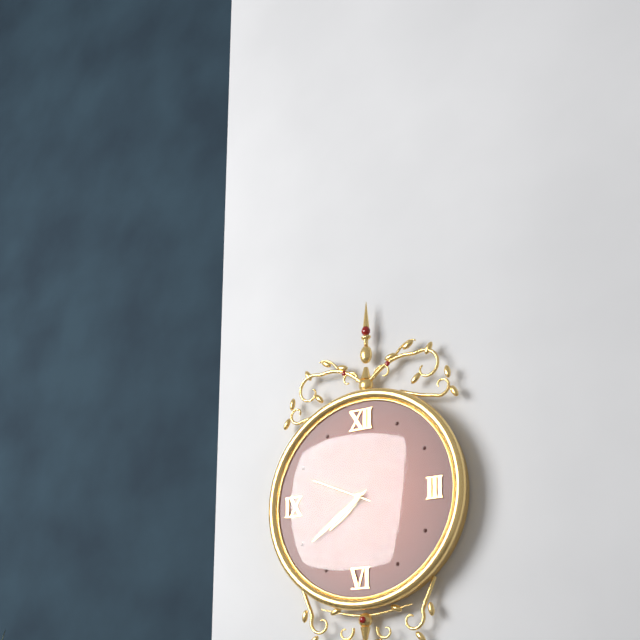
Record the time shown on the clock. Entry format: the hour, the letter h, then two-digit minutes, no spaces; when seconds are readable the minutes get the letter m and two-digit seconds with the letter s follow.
7h39m49s
